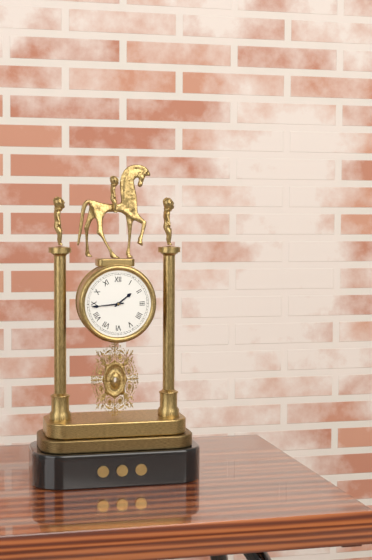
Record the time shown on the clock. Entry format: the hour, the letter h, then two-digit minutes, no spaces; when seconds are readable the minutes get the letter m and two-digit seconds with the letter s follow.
1h44
